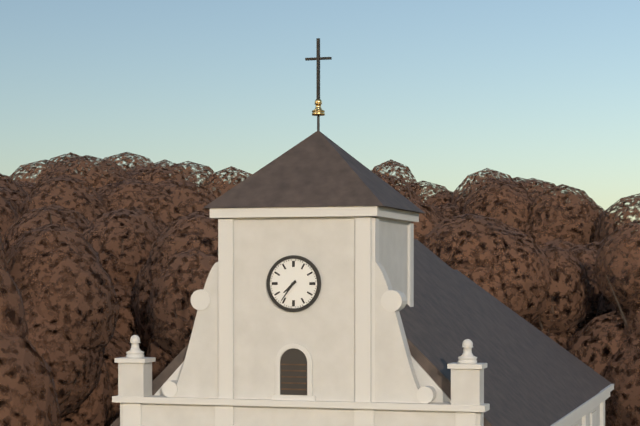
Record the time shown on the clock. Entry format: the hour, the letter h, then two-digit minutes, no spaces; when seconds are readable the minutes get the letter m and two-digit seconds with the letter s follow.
7h36
